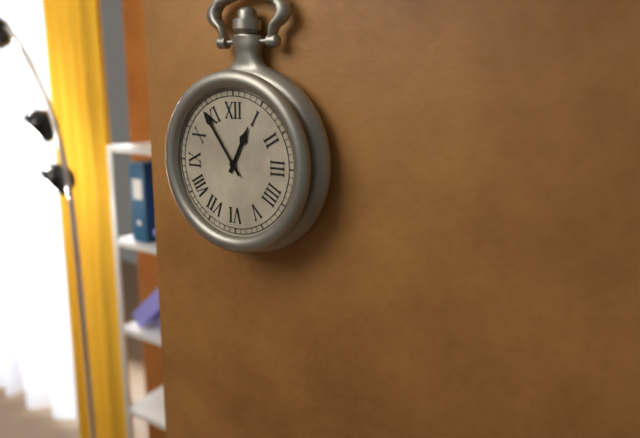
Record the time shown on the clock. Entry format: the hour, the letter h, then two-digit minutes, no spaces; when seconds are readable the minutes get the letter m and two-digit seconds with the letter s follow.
12h54
